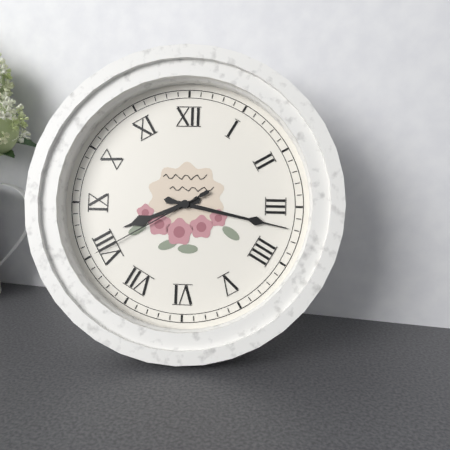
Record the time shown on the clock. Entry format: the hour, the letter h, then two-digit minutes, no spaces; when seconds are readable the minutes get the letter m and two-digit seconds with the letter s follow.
8h17m40s
